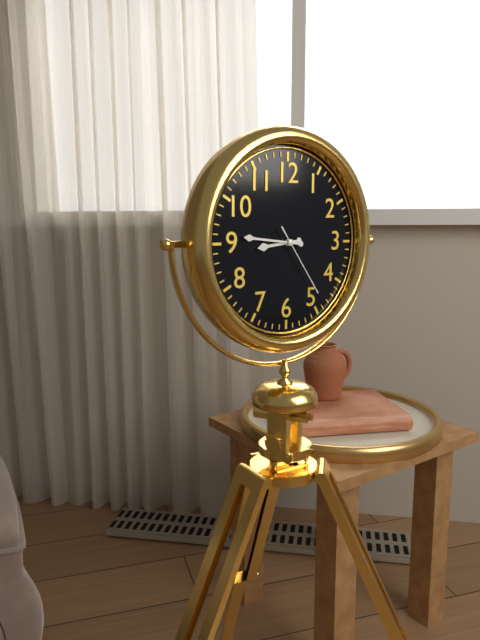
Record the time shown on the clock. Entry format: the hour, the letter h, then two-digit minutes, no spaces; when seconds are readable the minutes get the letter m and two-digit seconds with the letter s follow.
8h46m24s
